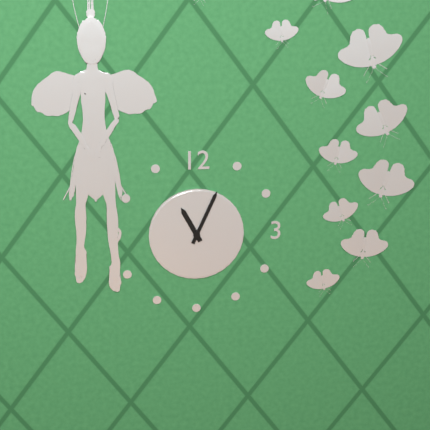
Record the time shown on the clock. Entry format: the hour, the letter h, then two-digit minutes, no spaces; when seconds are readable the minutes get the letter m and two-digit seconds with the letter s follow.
11h04
